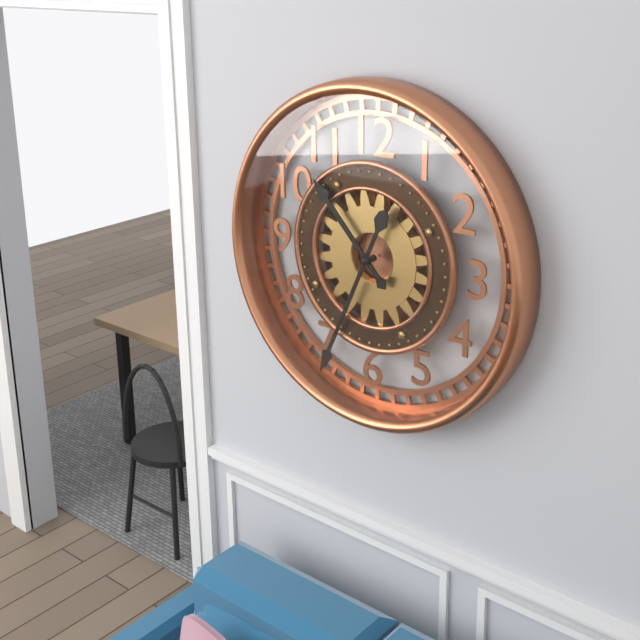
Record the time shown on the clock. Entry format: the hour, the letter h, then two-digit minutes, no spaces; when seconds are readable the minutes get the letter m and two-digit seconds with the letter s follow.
10h34
